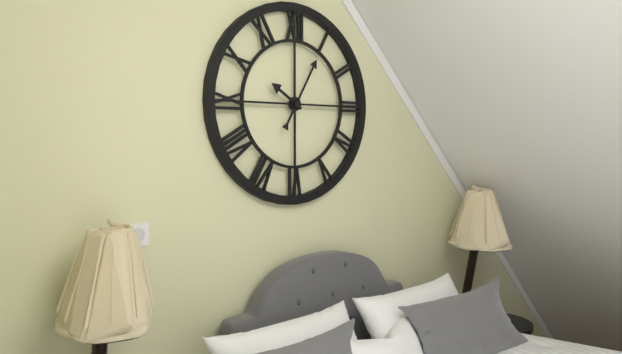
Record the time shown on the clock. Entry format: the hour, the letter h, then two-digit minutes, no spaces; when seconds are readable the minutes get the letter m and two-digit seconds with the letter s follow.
10h05
